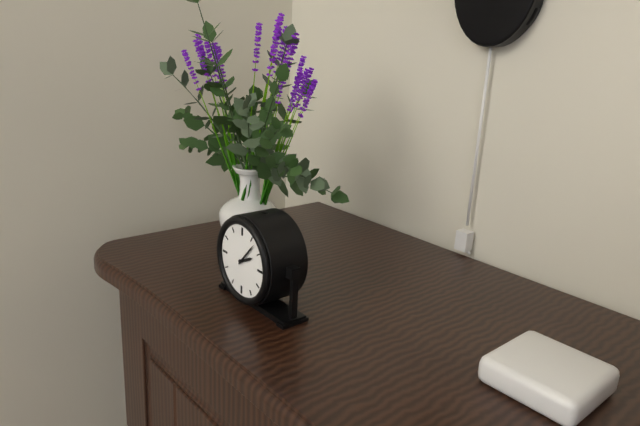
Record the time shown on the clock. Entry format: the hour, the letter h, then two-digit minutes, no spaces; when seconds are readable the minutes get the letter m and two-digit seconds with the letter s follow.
2h07
